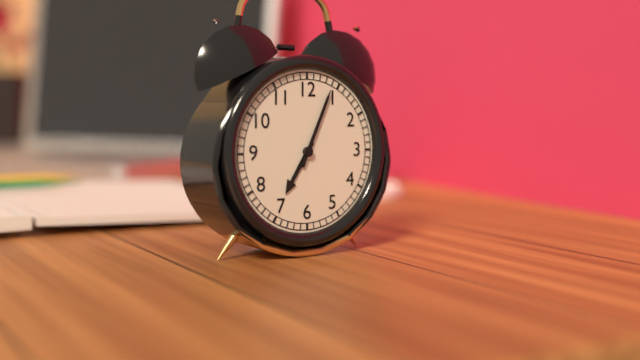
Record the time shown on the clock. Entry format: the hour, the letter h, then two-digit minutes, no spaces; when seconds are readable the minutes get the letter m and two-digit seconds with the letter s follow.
7h04
